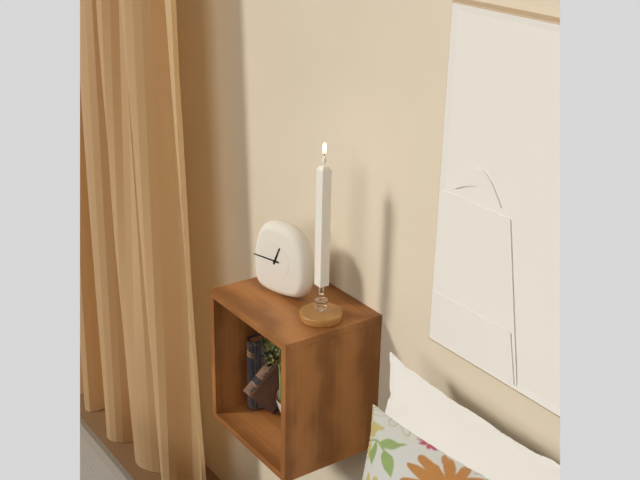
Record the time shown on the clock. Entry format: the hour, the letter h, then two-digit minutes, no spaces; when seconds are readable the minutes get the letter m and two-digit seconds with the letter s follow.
12h45
